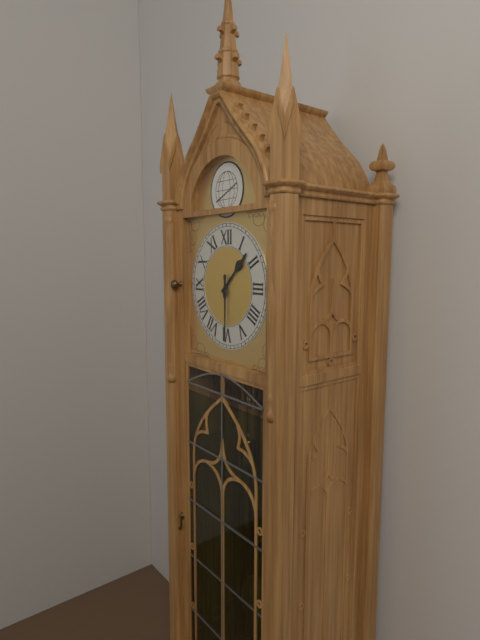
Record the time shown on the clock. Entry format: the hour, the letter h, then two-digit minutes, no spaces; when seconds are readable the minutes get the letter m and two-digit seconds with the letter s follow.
1h30
